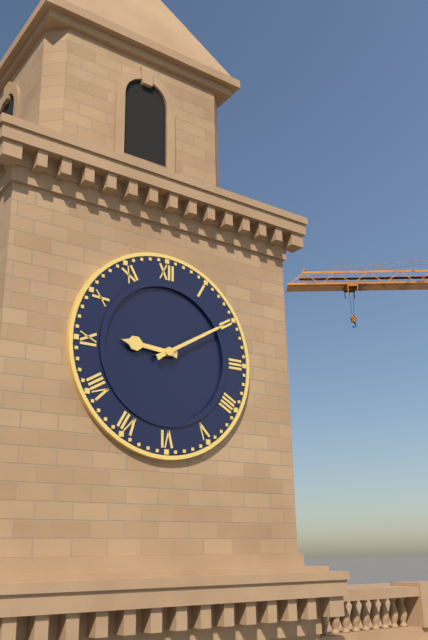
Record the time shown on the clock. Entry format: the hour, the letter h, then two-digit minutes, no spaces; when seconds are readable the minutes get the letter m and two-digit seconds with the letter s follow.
9h10
